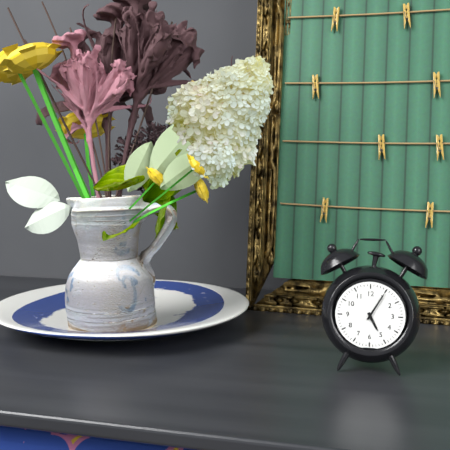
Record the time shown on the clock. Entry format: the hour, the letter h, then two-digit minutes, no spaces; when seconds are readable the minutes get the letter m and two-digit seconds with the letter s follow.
5h05
